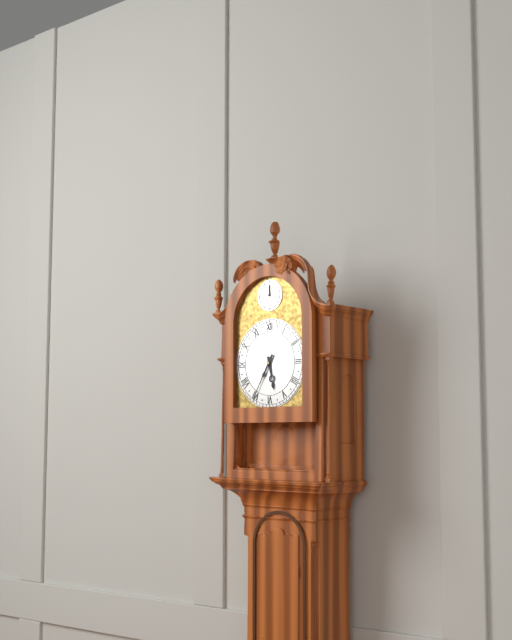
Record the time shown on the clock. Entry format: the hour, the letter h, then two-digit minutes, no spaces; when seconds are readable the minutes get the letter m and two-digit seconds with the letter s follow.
5h35
